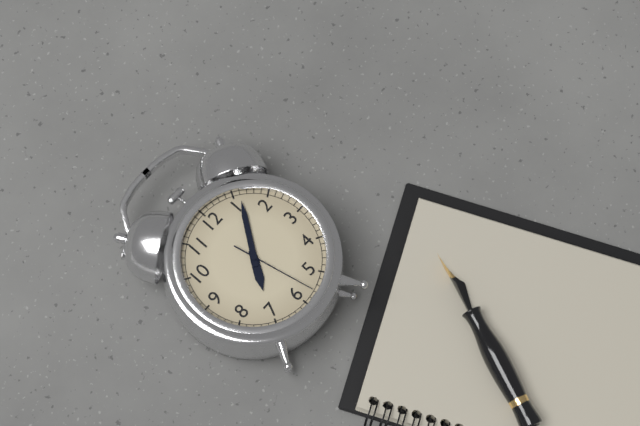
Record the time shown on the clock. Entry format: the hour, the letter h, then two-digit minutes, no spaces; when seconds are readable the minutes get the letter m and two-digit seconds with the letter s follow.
7h06m28s
